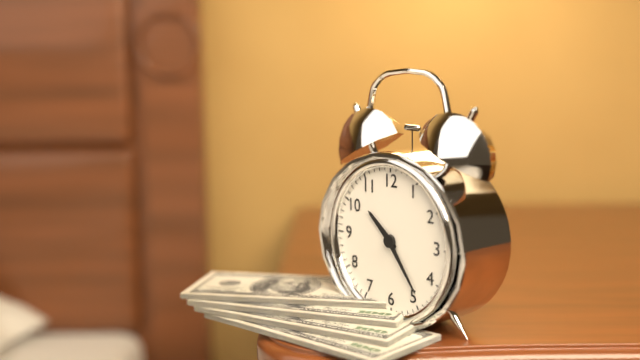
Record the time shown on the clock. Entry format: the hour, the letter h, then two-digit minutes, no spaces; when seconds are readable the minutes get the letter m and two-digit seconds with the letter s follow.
10h24
